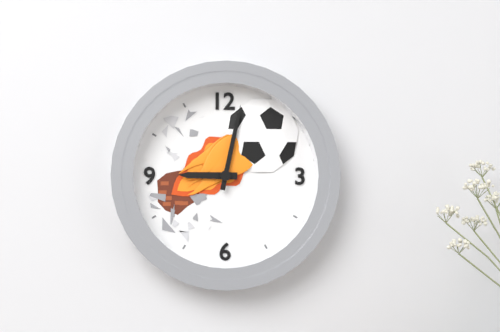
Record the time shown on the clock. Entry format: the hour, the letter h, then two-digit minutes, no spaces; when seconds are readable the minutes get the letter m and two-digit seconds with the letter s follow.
9h02
